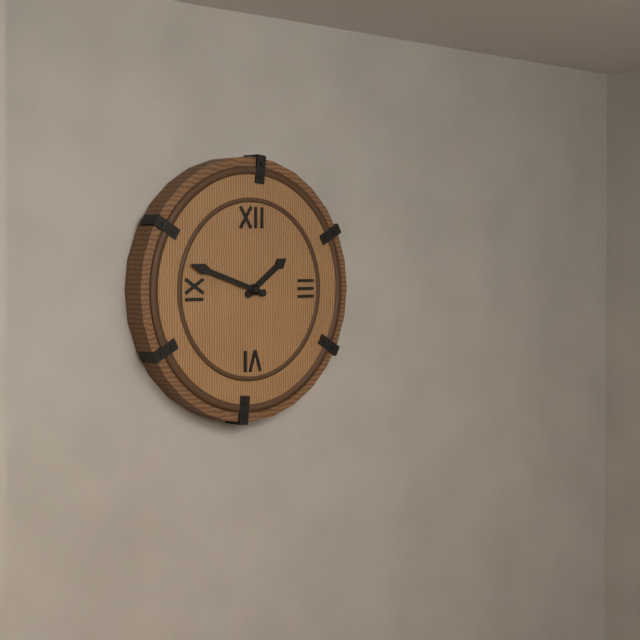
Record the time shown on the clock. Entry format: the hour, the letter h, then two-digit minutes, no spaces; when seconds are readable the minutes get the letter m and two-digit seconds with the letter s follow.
1h48
